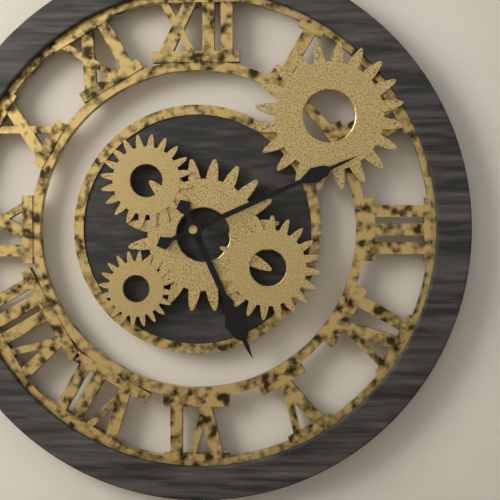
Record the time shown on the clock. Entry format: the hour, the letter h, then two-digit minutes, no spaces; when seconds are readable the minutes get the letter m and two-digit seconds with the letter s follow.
5h11
